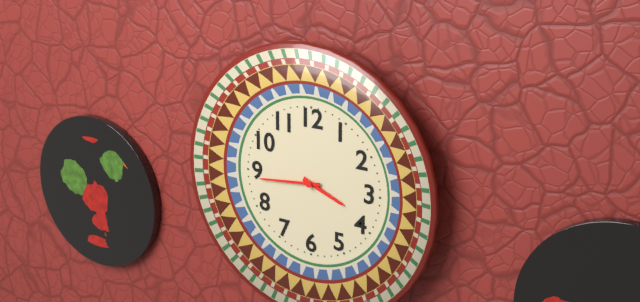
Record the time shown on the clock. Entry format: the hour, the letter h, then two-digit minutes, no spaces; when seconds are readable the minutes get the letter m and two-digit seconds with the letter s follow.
3h44
